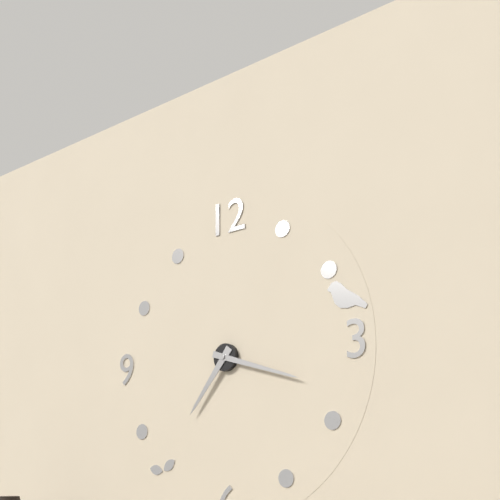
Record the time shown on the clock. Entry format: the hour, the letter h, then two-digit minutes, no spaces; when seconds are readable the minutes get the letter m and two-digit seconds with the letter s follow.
7h18
